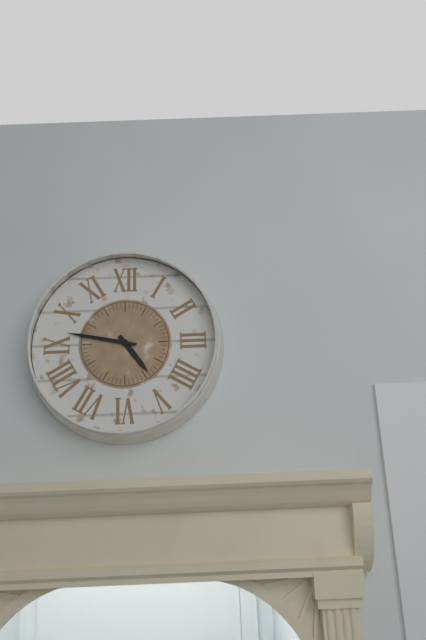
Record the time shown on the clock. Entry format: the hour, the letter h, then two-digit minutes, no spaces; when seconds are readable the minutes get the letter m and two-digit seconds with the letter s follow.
4h47
